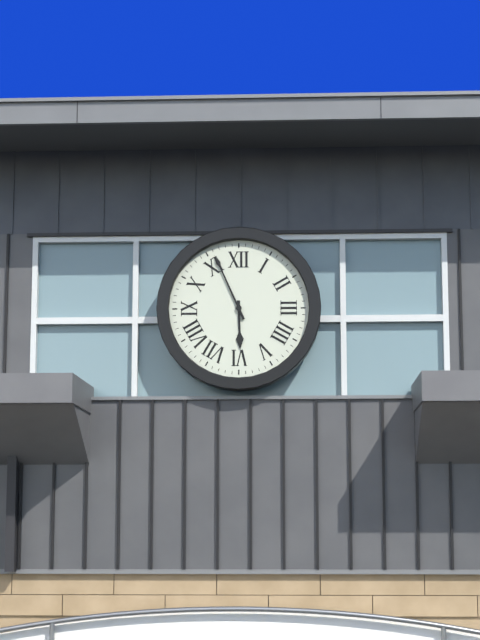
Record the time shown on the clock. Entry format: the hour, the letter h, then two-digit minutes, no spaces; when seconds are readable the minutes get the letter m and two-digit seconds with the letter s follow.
5h56
